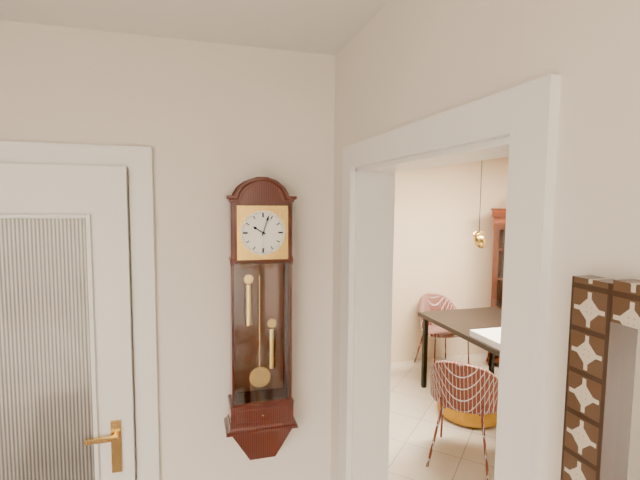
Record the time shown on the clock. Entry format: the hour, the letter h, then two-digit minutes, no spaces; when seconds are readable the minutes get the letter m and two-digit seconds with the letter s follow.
10h03
